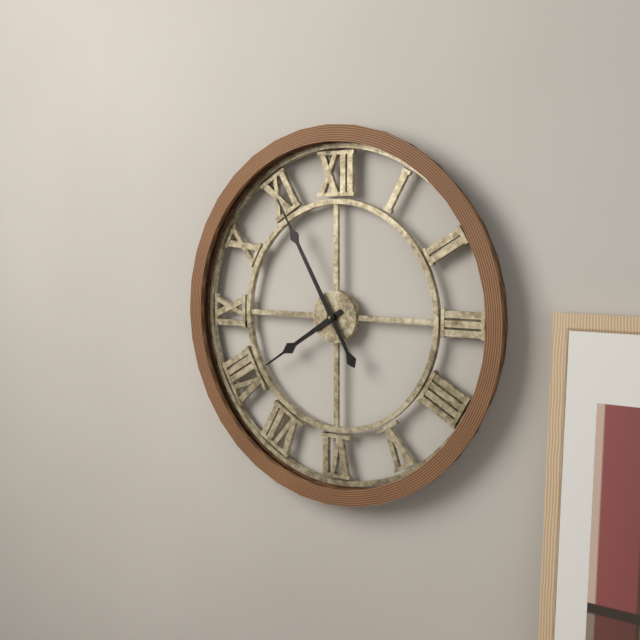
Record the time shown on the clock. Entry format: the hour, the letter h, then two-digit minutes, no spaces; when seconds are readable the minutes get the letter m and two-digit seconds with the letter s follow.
7h55
